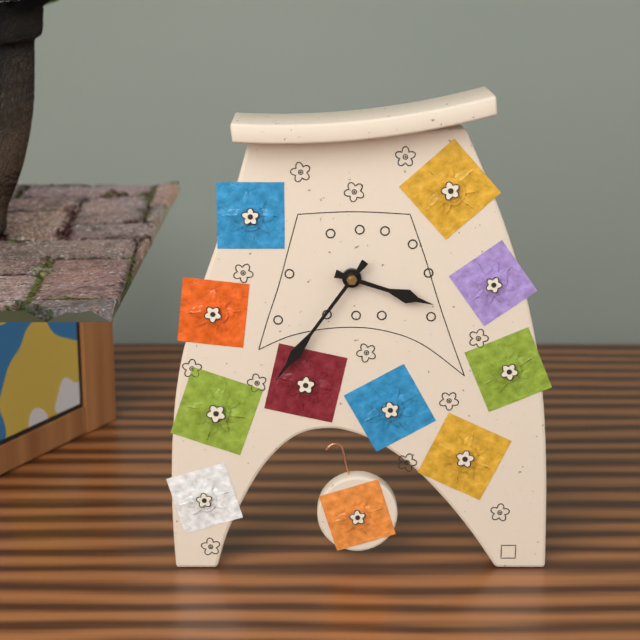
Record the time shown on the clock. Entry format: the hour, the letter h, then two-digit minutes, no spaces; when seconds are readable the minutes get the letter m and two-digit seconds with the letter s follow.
3h36
